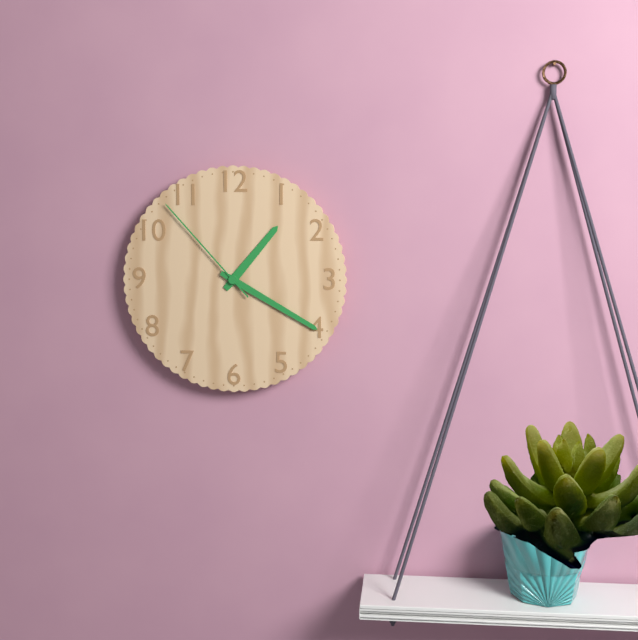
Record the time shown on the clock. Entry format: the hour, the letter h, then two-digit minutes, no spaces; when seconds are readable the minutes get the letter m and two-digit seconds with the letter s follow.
1h20m53s
